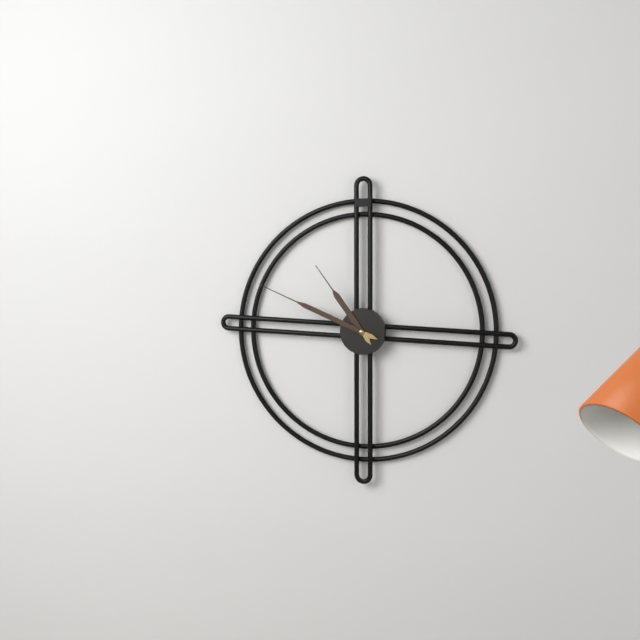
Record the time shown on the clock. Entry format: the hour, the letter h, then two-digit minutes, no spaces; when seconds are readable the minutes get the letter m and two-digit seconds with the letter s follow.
10h49
